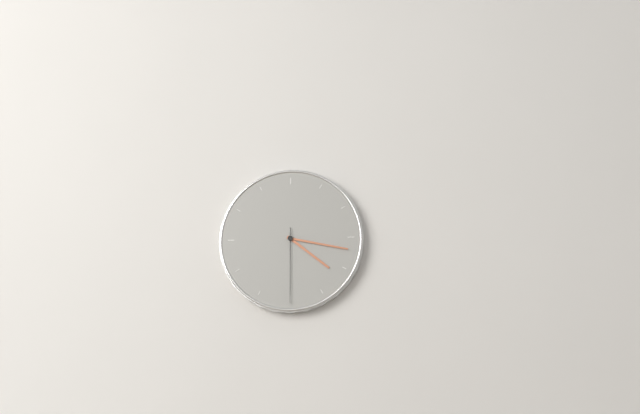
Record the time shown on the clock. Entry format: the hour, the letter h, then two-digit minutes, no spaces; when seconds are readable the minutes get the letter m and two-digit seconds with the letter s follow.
4h17m30s
